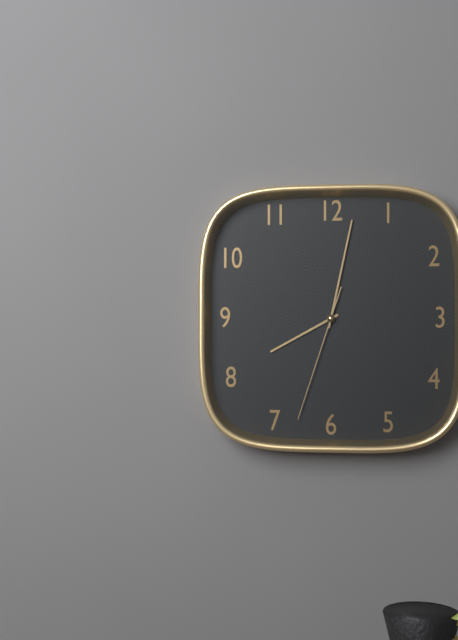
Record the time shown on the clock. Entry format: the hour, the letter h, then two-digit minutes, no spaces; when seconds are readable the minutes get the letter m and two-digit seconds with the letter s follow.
8h02m33s
